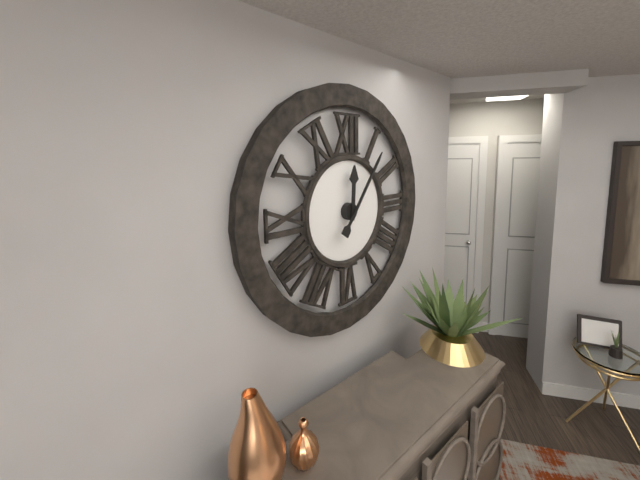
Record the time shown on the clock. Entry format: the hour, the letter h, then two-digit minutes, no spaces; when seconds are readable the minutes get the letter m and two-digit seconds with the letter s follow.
12h06
